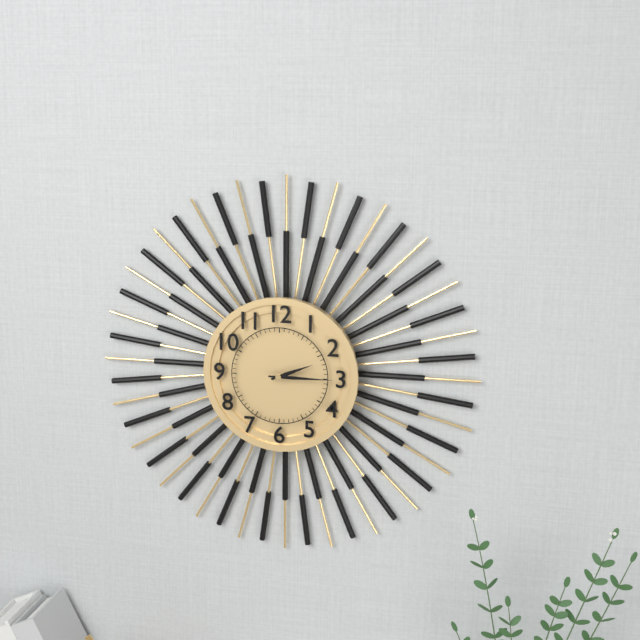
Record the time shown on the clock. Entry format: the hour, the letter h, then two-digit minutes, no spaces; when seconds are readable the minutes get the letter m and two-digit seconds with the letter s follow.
2h15
